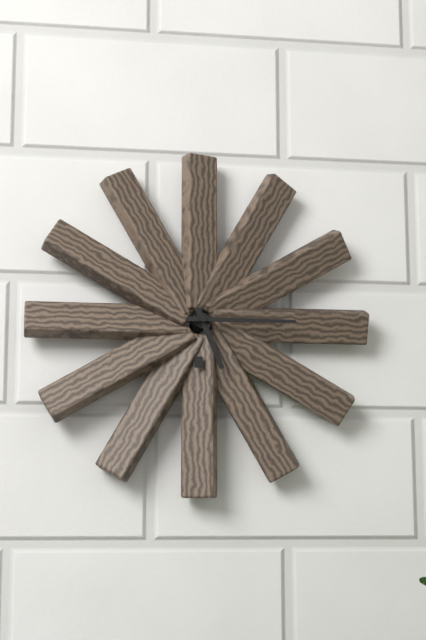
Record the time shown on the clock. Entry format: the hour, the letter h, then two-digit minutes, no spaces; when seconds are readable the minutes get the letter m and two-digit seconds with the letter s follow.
5h15
